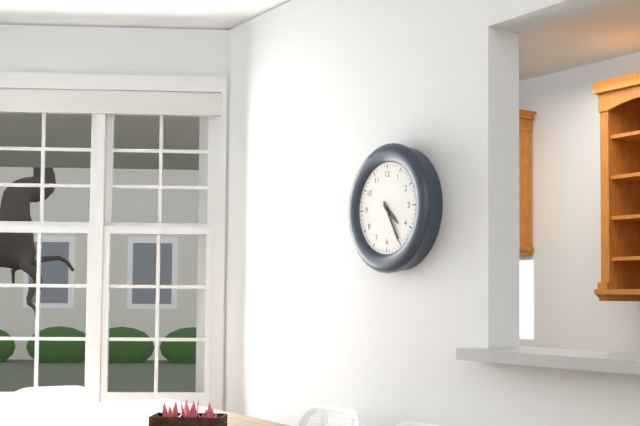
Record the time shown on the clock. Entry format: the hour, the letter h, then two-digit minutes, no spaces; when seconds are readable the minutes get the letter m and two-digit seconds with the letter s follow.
4h25
